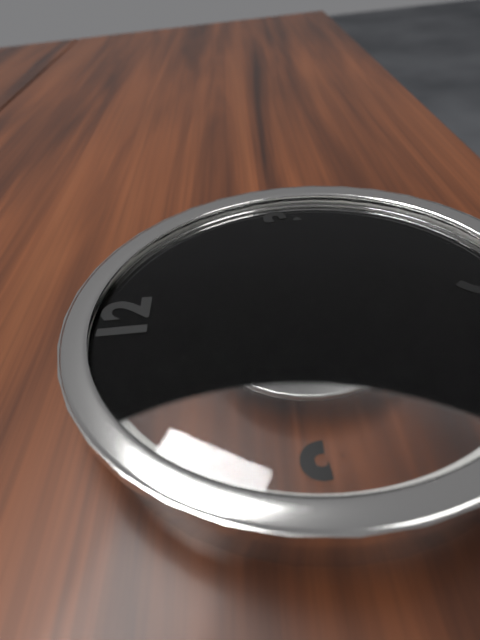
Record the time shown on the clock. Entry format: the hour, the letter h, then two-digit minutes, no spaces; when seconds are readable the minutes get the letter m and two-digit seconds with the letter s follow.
1h19
